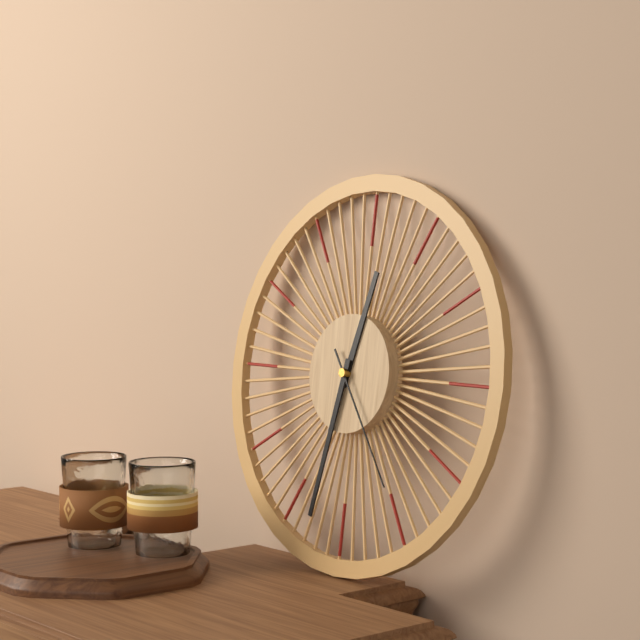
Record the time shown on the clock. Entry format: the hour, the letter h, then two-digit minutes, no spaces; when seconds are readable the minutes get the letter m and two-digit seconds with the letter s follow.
12h32m24s
